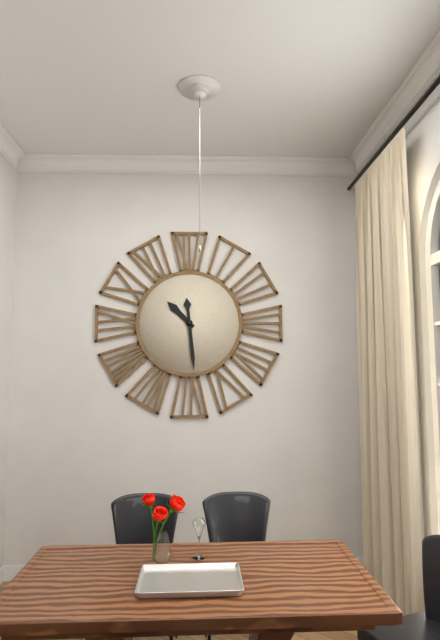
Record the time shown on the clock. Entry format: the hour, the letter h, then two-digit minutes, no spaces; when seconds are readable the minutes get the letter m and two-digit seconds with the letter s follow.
10h29
